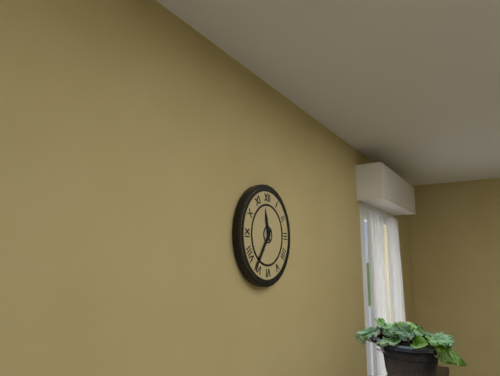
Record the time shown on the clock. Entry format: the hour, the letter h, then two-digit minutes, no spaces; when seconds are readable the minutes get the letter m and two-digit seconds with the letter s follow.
11h36
